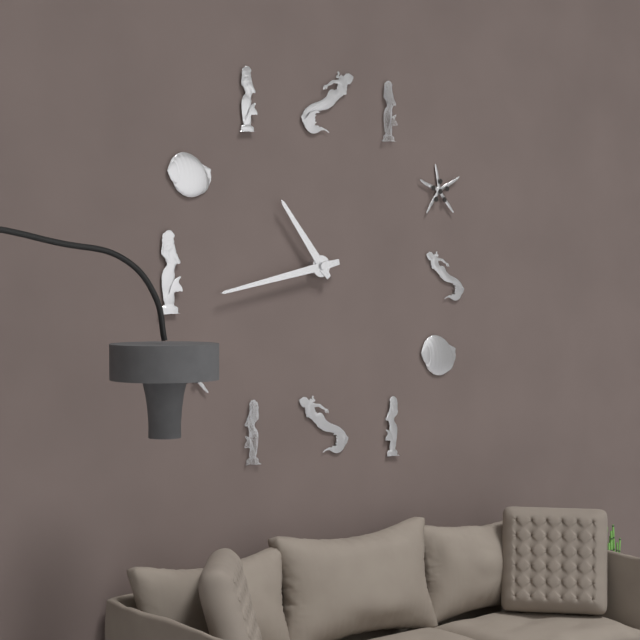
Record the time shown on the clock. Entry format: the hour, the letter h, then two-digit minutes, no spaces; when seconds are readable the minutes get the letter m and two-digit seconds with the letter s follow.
10h43
